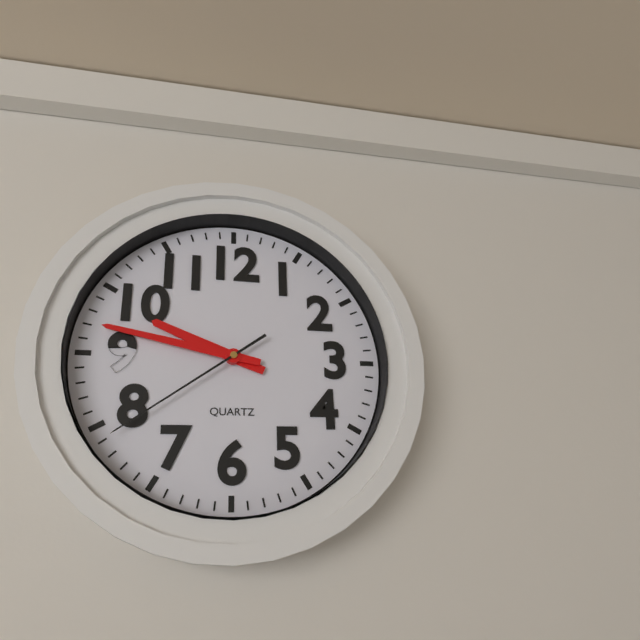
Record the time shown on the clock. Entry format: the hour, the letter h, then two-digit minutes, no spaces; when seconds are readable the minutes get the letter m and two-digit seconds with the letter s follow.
9h47m39s
